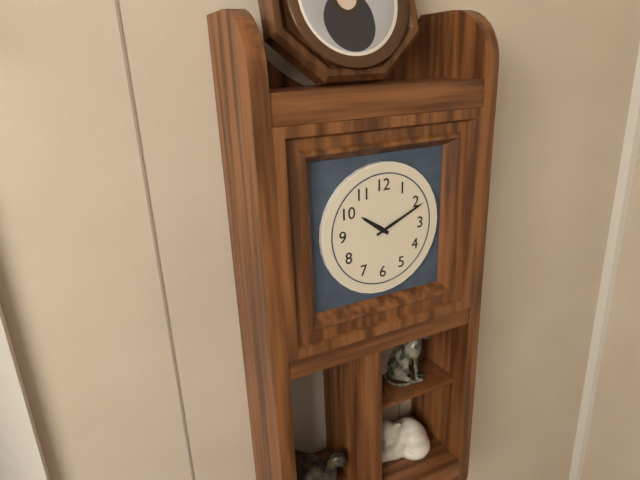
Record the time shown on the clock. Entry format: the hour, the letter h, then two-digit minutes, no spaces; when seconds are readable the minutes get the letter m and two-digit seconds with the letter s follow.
10h11
